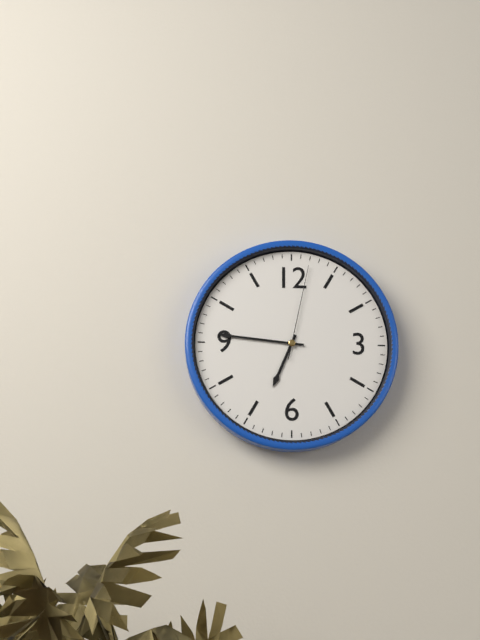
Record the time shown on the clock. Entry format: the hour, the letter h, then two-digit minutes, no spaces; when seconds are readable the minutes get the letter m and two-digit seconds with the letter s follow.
6h46m02s
